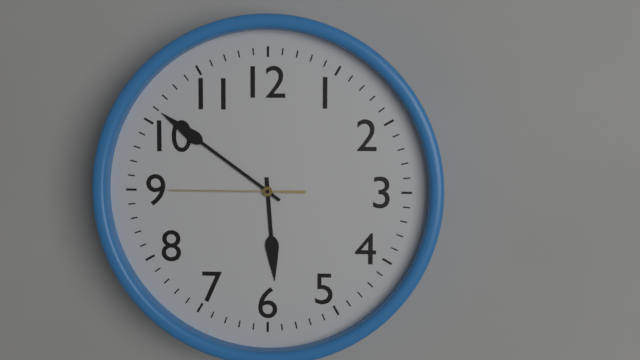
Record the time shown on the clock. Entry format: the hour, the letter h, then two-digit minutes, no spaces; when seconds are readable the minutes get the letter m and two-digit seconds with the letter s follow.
5h51m45s
